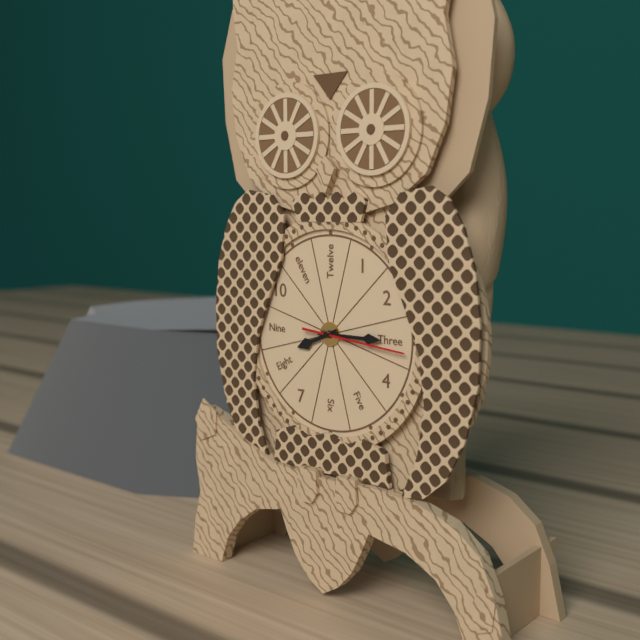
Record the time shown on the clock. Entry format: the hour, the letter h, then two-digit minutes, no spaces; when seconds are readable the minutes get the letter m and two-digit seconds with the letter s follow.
8h15m16s
